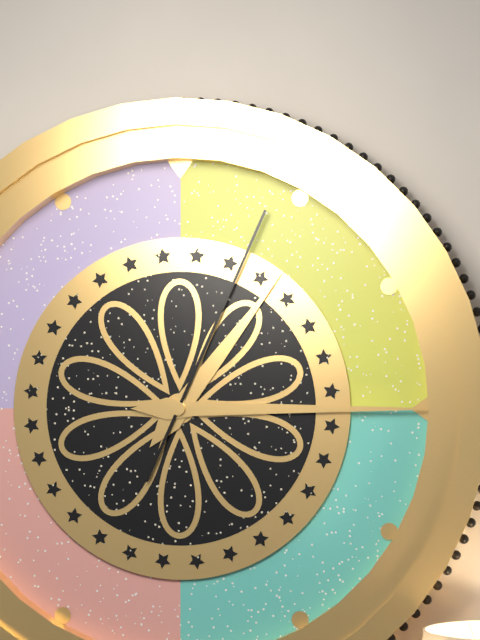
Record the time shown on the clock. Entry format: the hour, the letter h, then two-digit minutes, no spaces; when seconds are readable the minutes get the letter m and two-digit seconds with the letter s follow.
1h15m04s
